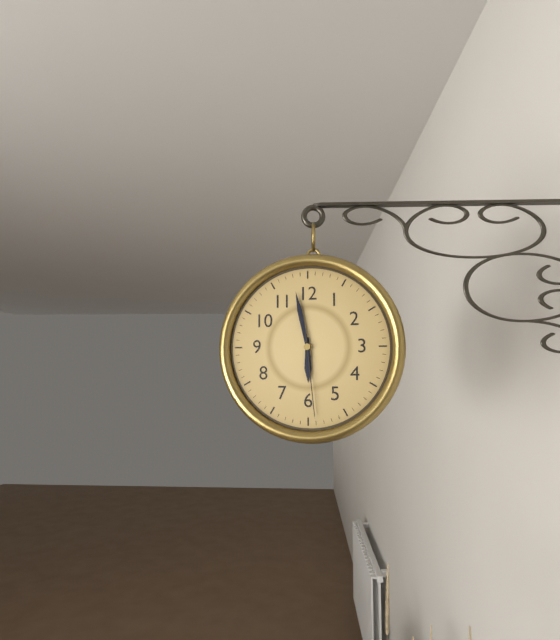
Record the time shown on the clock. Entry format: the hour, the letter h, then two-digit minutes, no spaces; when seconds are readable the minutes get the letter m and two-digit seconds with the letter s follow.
5h58m29s
